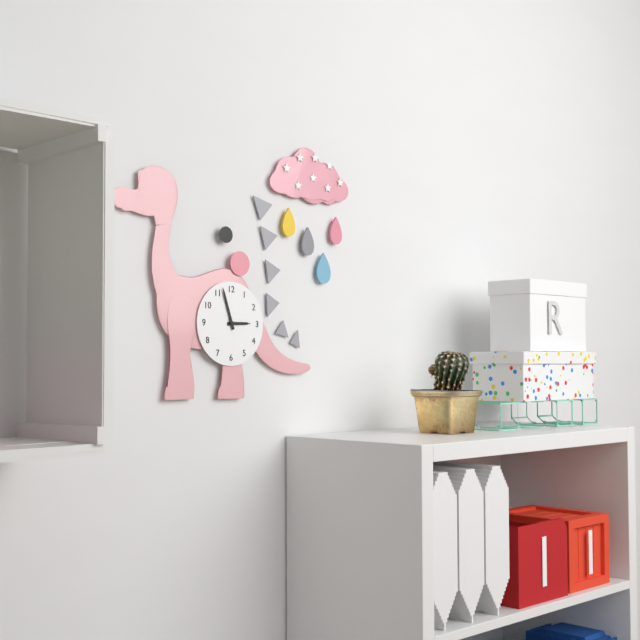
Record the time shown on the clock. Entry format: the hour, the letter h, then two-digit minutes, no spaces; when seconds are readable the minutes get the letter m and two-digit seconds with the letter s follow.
2h57
